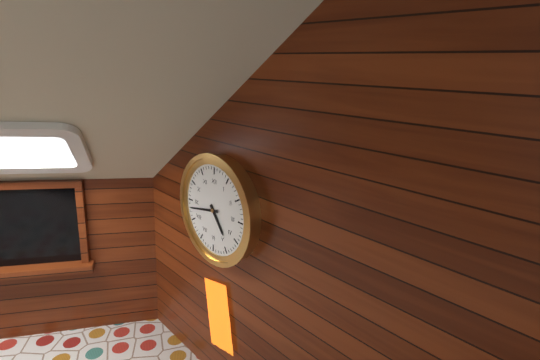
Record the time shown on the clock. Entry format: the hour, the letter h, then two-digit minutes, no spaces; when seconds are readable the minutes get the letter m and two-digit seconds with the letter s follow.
4h43
